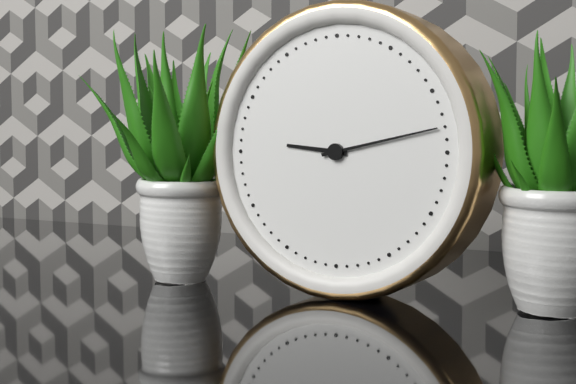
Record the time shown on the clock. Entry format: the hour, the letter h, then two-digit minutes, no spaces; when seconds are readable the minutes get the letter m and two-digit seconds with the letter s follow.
9h13
